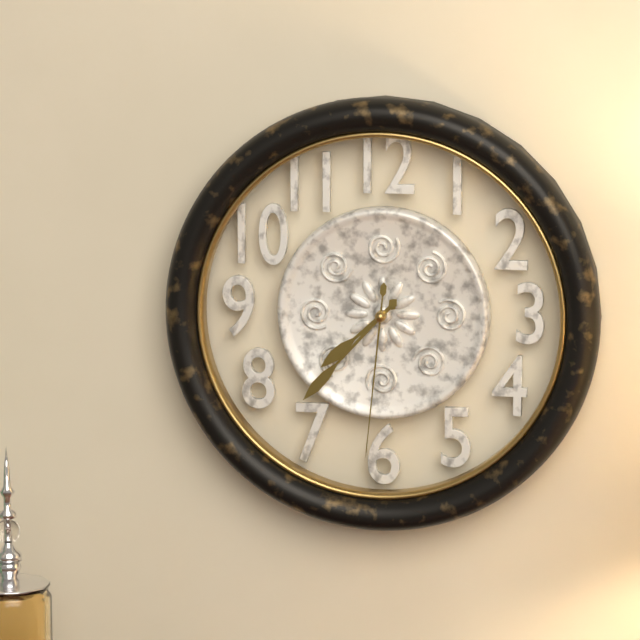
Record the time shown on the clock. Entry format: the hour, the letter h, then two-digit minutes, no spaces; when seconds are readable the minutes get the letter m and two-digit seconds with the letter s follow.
7h37m31s
